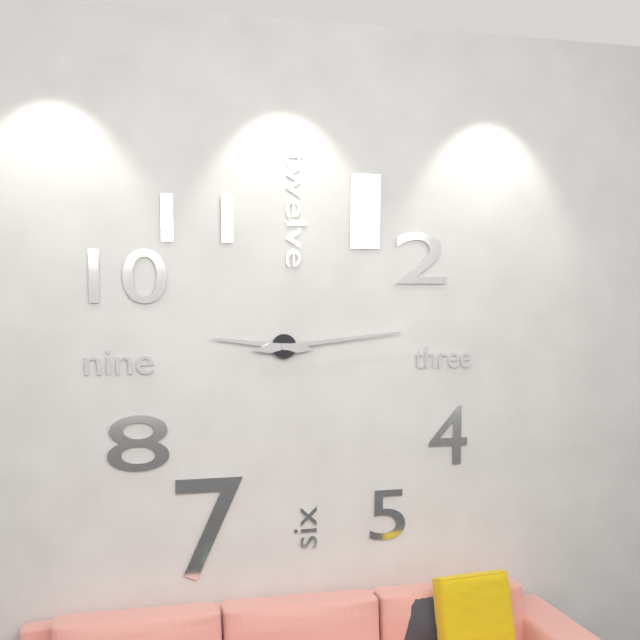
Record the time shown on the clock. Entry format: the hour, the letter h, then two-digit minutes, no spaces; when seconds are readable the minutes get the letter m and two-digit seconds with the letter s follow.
9h14
